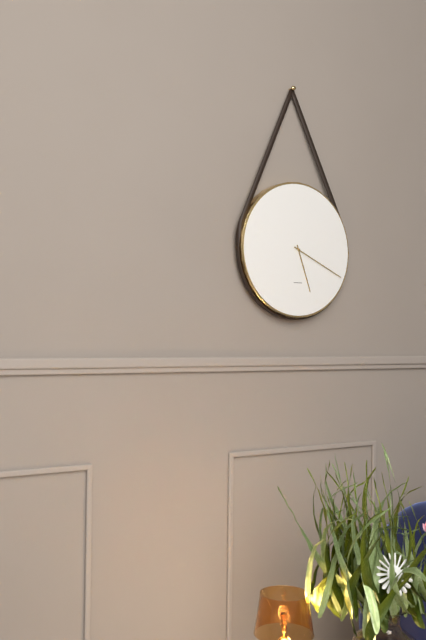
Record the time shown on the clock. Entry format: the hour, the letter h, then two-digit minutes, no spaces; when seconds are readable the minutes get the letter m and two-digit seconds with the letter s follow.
5h19
